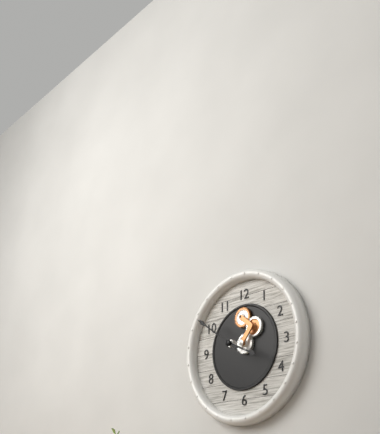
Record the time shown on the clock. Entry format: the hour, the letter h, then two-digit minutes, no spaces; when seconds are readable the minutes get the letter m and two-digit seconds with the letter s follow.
3h51
